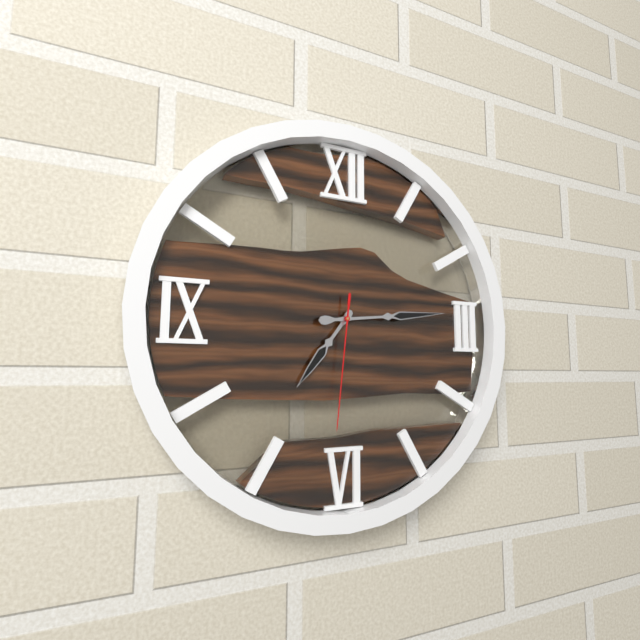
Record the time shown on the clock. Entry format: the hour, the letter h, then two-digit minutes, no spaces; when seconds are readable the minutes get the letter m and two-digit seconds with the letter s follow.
7h14m31s
